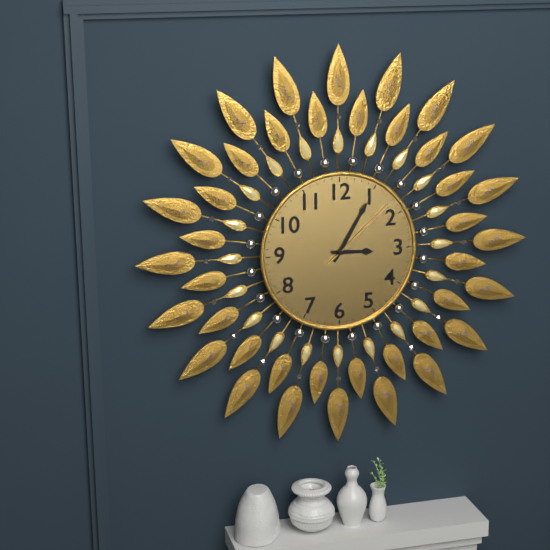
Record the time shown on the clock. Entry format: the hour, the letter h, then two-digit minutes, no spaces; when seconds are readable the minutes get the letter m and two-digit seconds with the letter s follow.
3h05m08s
